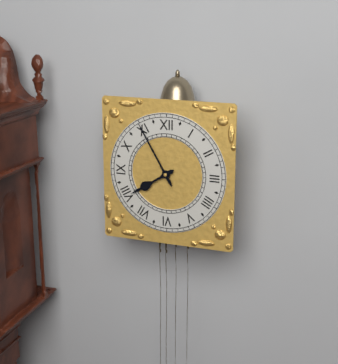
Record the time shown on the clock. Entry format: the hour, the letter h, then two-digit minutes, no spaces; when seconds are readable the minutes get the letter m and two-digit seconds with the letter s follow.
7h55
